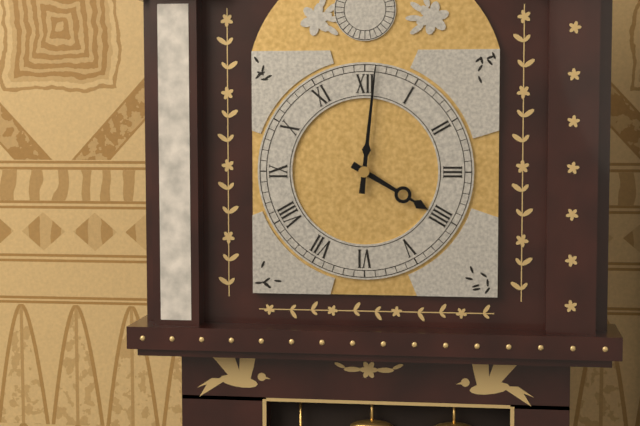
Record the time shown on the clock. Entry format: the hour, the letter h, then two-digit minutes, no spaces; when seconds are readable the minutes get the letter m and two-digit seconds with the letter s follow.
4h01
